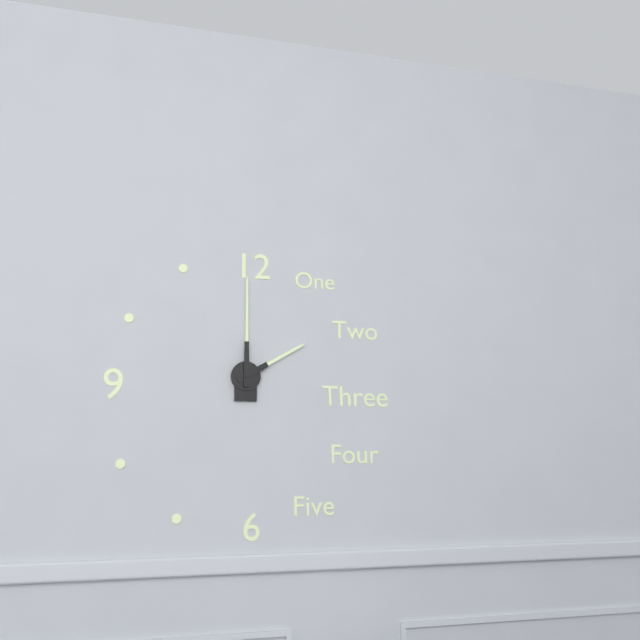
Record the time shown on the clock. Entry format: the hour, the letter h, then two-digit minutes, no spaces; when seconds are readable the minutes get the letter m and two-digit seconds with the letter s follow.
2h00
